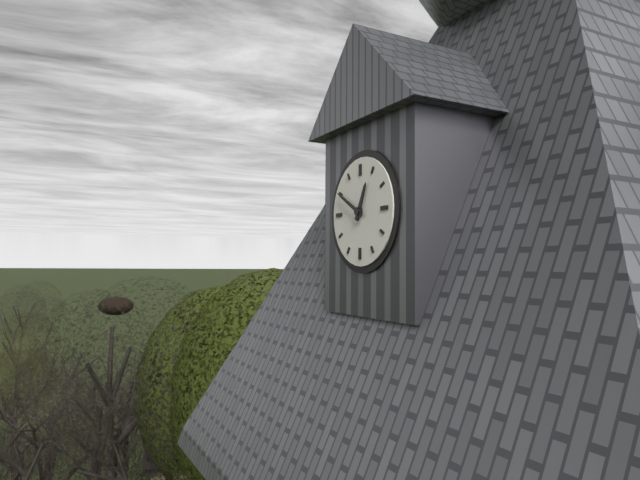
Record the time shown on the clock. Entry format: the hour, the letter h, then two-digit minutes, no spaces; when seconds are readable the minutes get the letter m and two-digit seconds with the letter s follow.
12h50
